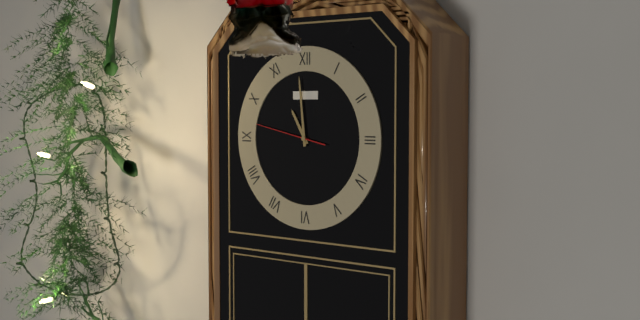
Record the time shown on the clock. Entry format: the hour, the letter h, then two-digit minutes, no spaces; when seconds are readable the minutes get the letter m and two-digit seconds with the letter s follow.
10h59m47s
